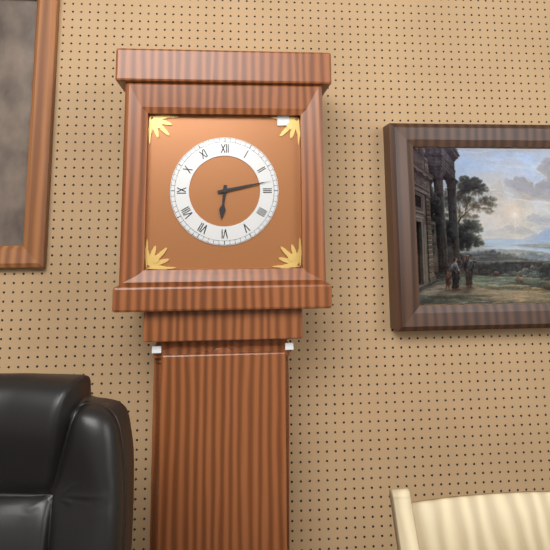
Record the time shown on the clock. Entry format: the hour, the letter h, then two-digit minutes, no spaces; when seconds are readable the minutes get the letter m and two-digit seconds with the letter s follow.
6h13
